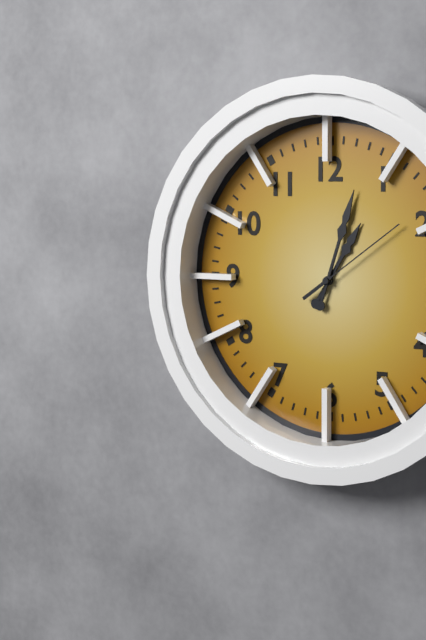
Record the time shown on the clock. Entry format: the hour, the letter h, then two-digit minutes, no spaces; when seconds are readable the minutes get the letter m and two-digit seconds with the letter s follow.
1h03m09s
